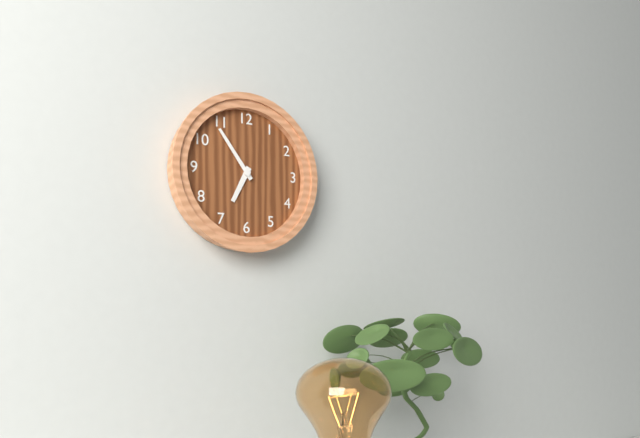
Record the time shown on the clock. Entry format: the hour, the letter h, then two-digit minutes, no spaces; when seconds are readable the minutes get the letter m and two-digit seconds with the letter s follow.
6h54
